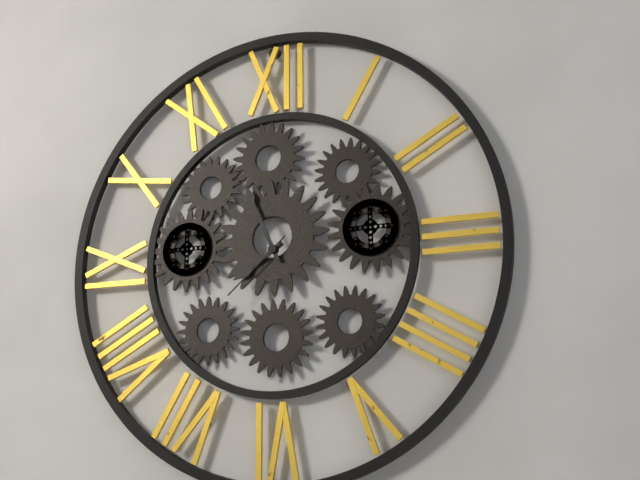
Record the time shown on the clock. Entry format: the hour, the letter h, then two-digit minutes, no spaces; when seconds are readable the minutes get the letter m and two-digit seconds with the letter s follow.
7h56m38s
